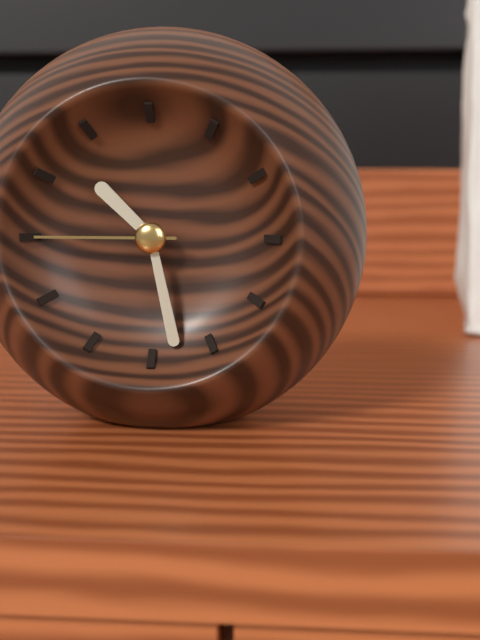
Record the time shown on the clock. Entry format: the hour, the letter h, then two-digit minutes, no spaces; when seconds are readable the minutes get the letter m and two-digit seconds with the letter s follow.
10h28m45s
